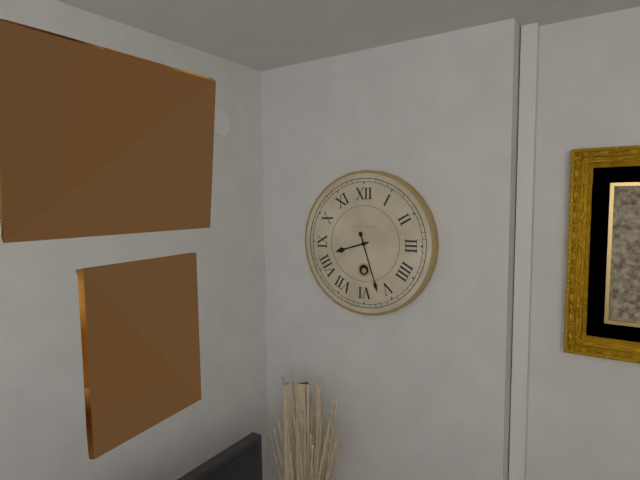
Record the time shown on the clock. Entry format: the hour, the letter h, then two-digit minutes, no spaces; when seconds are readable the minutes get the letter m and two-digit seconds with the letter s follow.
8h27
